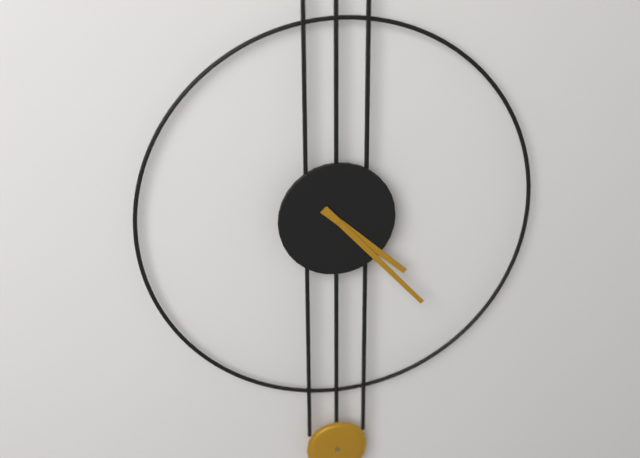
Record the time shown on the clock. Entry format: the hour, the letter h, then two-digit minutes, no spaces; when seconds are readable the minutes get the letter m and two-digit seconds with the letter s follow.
4h23
